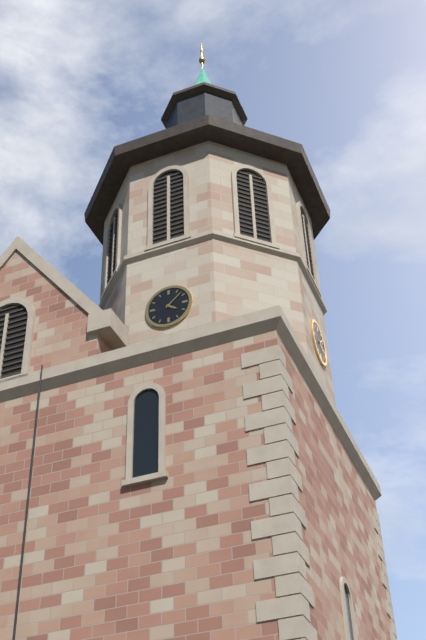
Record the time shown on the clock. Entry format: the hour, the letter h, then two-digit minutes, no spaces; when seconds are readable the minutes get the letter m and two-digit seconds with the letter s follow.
4h08
